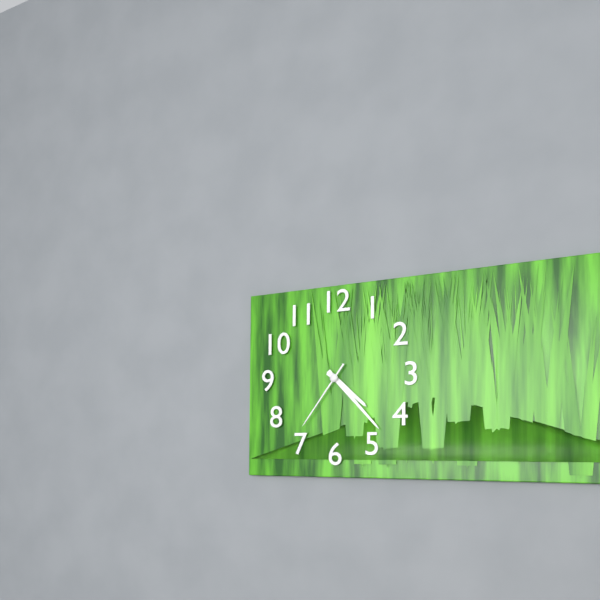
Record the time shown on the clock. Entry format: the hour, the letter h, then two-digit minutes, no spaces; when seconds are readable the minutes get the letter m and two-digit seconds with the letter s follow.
4h23m36s
